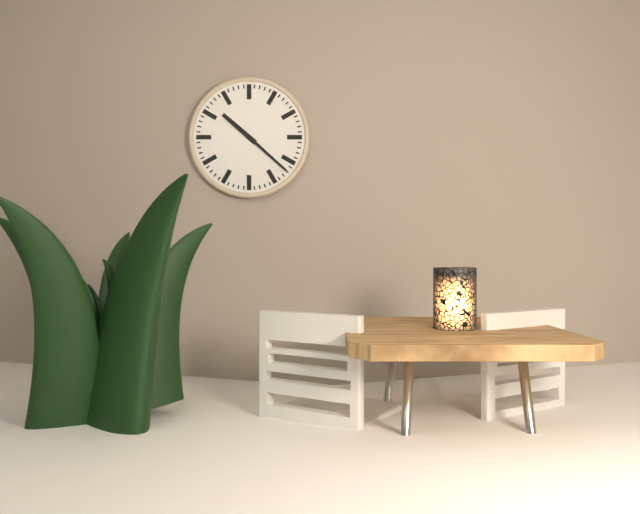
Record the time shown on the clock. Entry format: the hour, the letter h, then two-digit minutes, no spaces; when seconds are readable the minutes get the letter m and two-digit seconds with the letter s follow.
10h22
